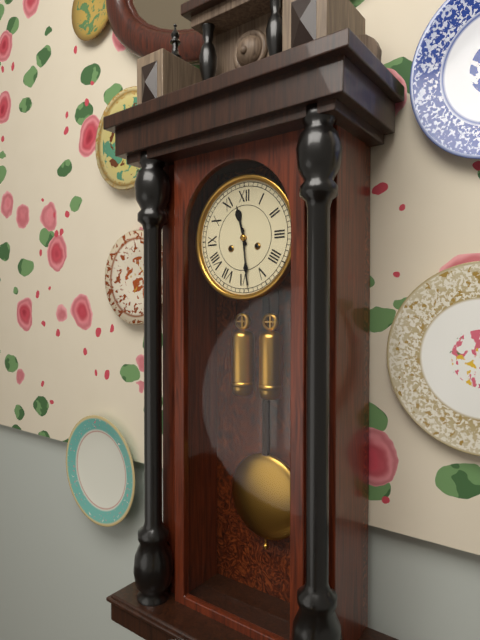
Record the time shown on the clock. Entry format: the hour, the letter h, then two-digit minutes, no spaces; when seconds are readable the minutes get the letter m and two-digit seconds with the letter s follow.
11h29
